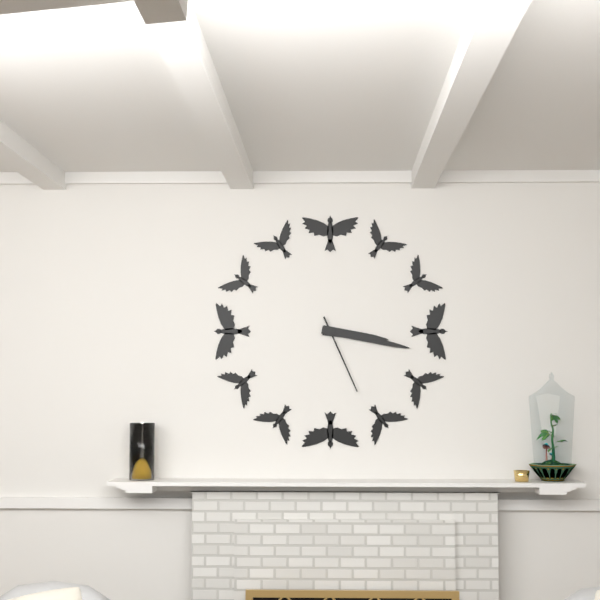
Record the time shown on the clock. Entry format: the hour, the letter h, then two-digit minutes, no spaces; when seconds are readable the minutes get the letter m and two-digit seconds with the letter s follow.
3h17m26s
